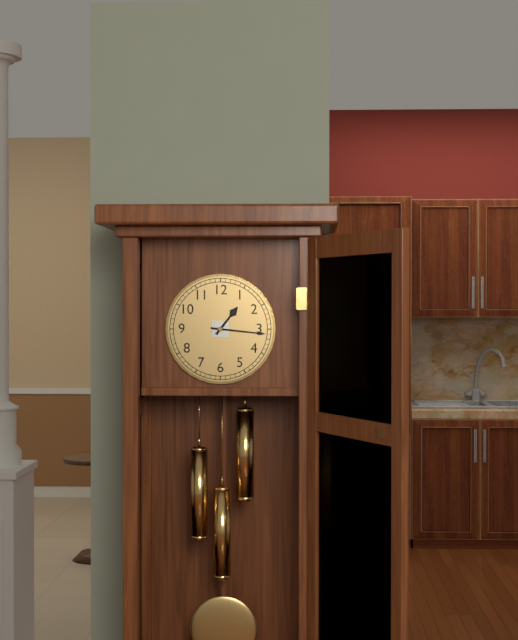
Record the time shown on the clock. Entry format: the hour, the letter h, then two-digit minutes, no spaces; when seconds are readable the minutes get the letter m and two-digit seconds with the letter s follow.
1h16
